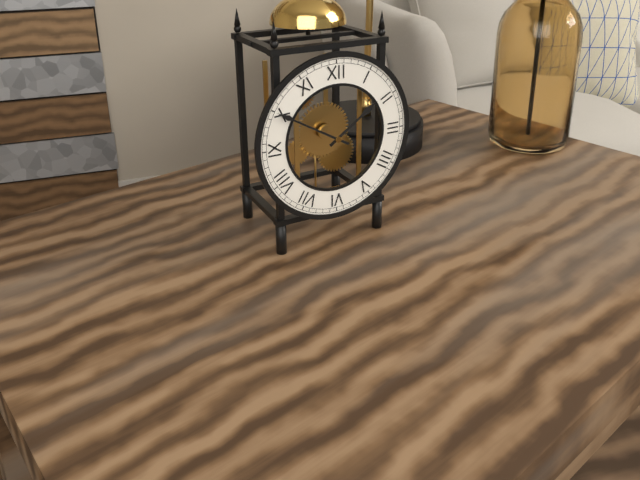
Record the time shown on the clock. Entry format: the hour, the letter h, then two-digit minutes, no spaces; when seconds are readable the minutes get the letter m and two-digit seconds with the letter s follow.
1h50
